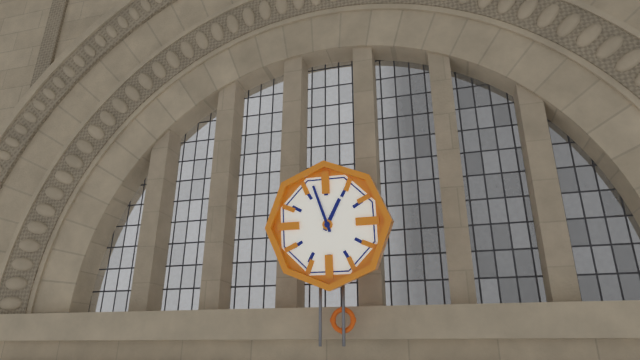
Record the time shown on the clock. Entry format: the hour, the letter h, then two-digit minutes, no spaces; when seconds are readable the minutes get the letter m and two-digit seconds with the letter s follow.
12h57
